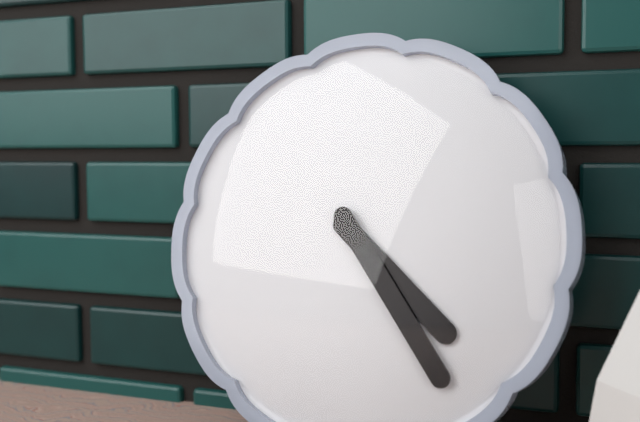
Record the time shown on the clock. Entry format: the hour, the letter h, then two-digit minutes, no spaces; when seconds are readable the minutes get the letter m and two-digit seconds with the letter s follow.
4h24
